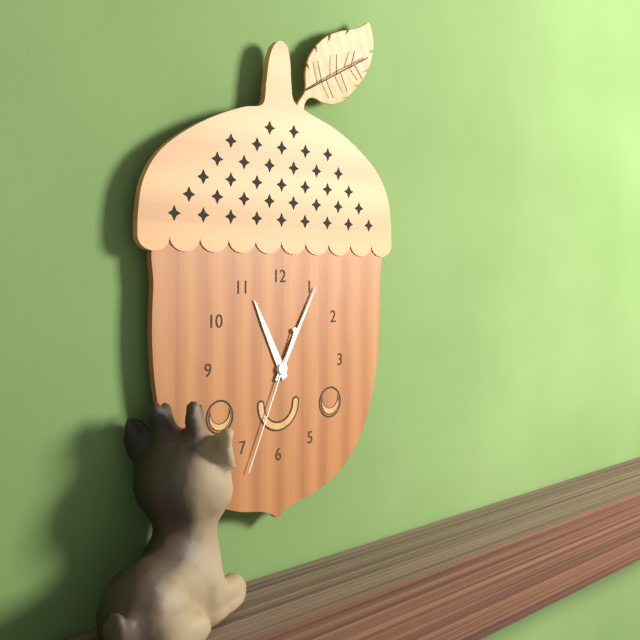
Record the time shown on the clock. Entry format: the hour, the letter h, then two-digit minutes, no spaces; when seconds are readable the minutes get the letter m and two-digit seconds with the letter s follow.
11h05m34s
